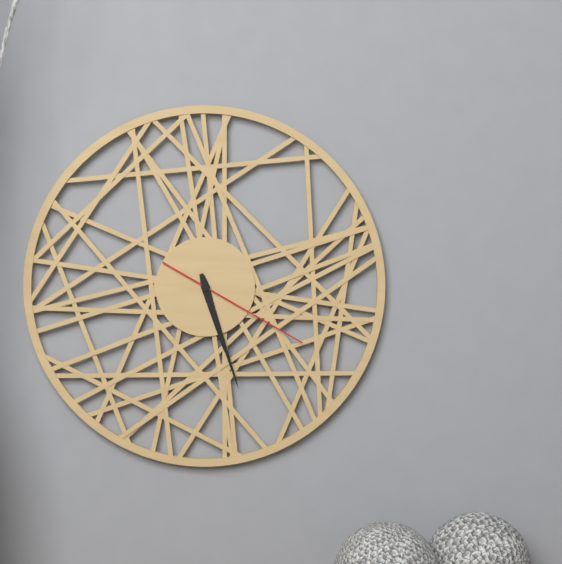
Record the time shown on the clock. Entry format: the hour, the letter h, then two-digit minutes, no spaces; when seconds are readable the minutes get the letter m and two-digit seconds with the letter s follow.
5h27m20s
